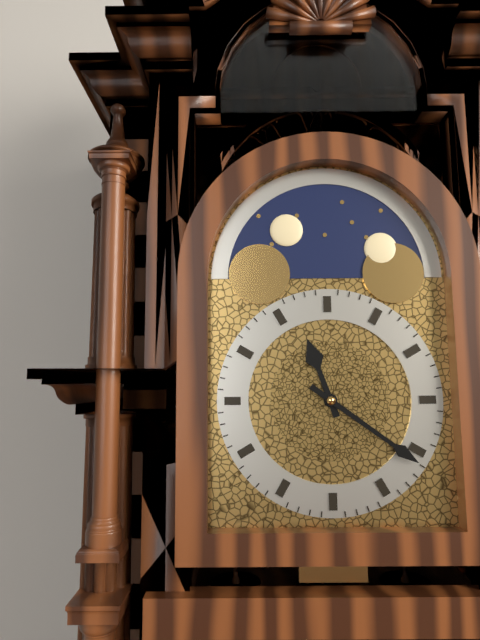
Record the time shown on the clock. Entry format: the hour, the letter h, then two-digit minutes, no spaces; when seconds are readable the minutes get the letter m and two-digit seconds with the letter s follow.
11h21
